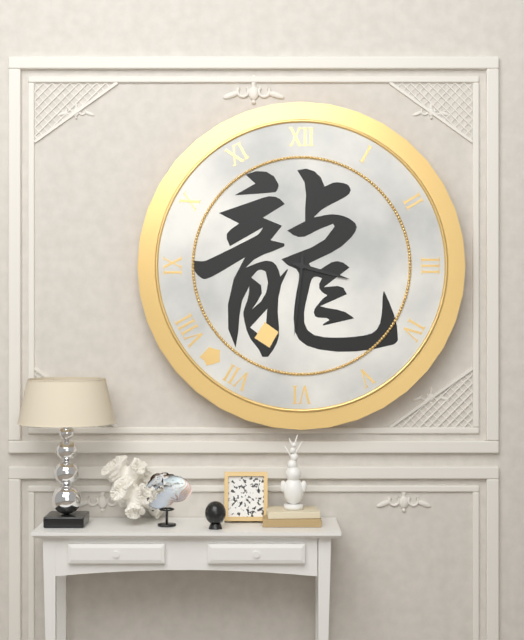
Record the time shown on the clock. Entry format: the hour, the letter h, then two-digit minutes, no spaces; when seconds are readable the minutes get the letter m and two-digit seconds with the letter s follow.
3h31
